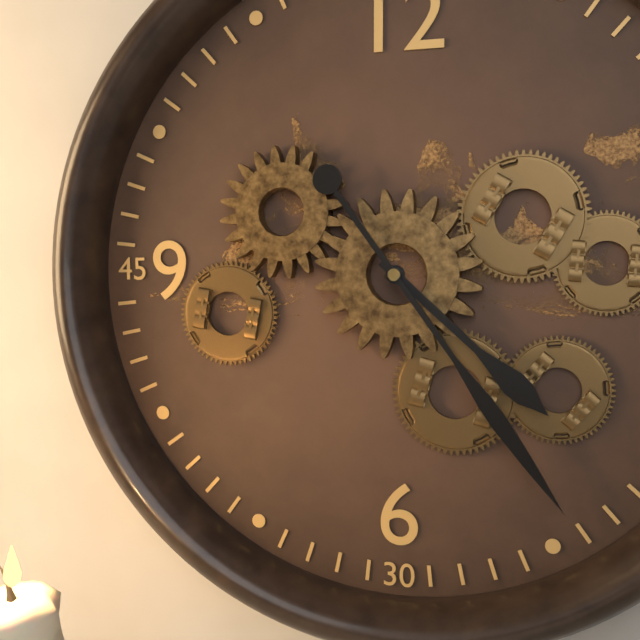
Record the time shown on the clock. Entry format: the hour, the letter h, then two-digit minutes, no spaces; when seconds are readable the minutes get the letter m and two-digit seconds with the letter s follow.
4h24
